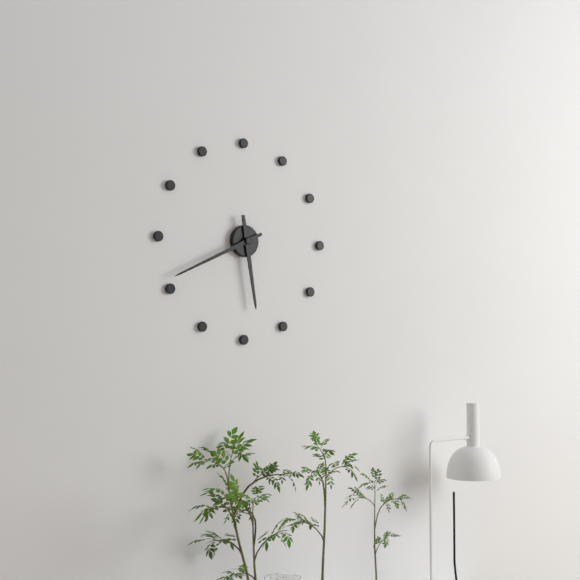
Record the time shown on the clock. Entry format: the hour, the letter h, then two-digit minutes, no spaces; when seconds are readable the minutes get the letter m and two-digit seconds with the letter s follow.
5h41
